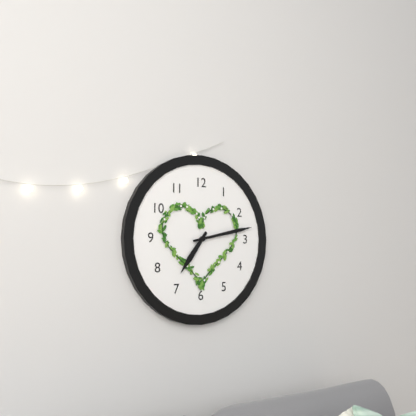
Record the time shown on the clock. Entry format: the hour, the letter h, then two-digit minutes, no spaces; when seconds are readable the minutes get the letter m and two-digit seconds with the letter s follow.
7h13
